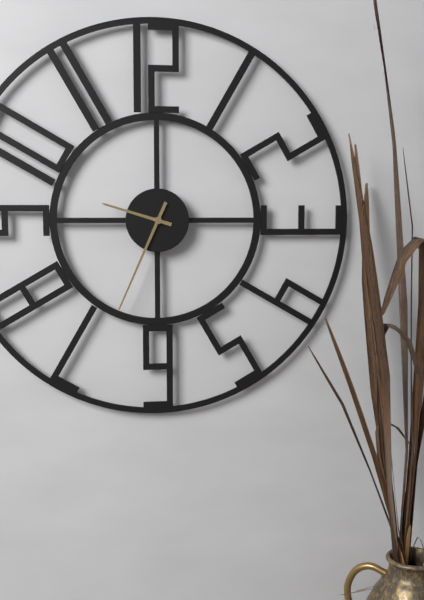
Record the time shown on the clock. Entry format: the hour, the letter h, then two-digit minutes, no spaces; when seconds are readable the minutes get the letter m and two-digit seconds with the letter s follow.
9h34
